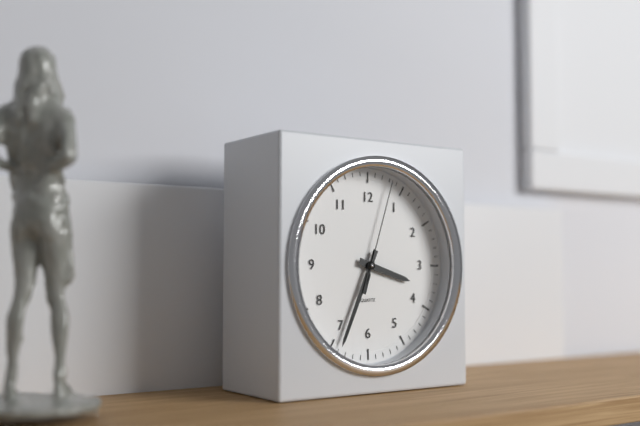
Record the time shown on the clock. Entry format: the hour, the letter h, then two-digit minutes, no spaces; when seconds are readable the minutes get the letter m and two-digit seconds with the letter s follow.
3h34m03s
